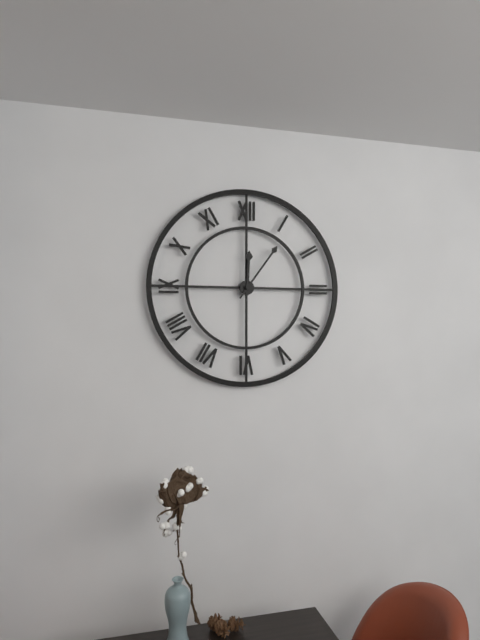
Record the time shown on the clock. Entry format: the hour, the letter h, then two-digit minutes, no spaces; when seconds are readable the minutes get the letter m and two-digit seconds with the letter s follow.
12h06
